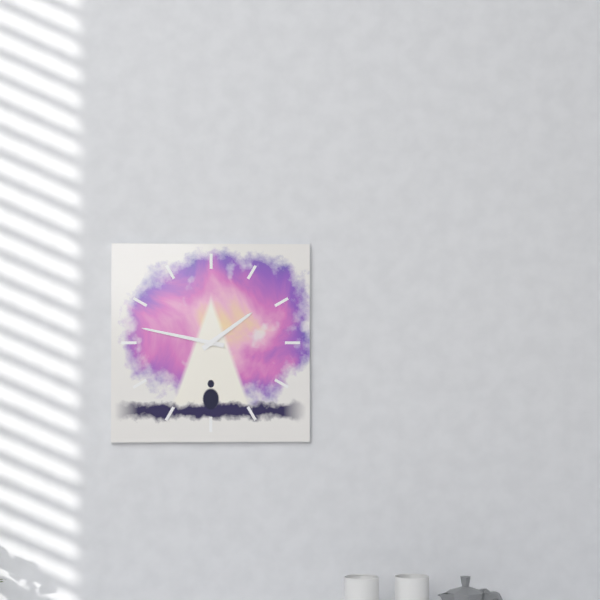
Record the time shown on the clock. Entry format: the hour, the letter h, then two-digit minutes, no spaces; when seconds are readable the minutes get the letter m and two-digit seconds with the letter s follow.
1h47
